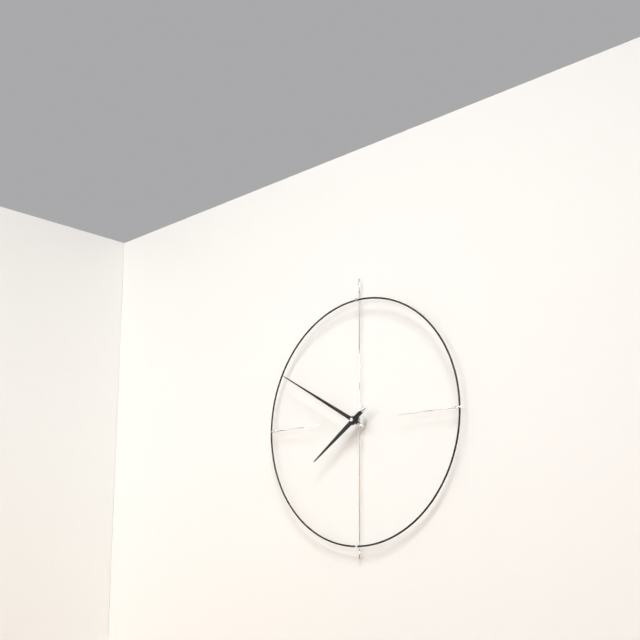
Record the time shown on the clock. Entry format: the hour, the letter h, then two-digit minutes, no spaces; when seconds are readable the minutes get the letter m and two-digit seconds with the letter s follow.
7h50
